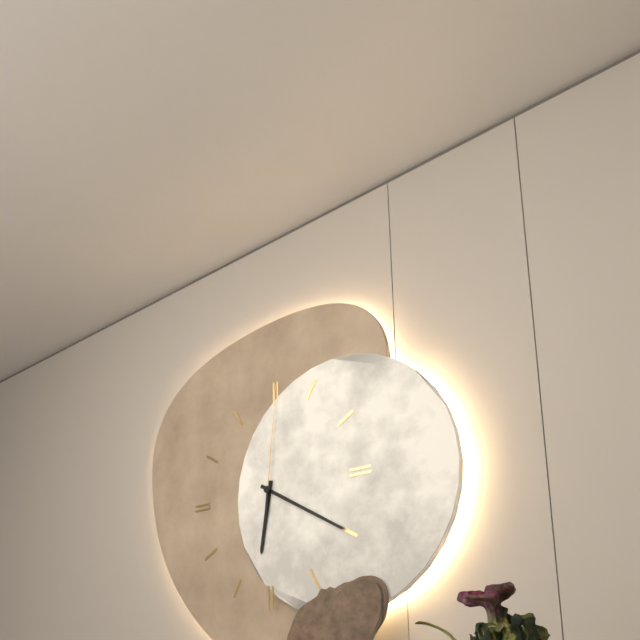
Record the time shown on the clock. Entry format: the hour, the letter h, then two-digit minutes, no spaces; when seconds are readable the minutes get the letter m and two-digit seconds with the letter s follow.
6h20m01s
